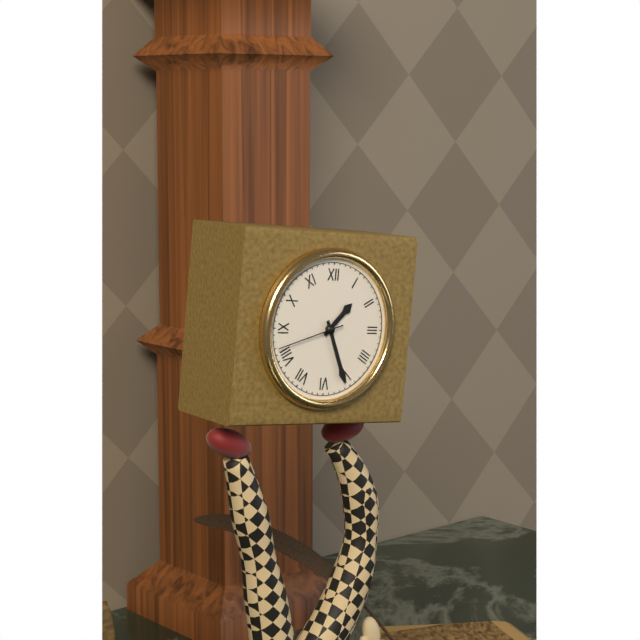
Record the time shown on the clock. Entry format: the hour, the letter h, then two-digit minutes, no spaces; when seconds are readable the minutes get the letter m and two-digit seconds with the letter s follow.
1h26
